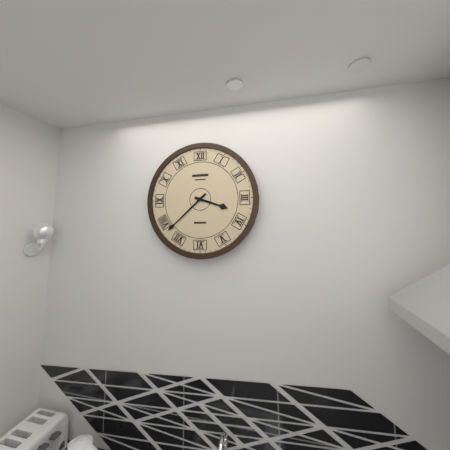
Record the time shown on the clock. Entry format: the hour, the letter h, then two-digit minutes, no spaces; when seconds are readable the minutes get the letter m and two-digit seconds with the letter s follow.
3h38
